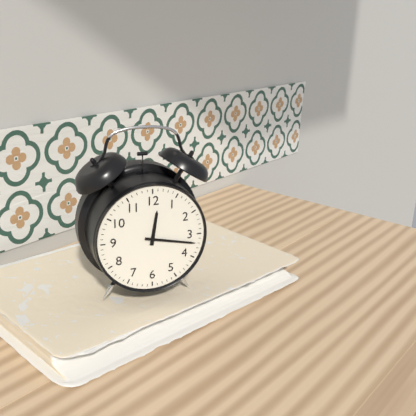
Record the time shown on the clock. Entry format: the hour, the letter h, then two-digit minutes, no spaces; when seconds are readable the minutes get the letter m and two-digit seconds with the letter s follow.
12h17
